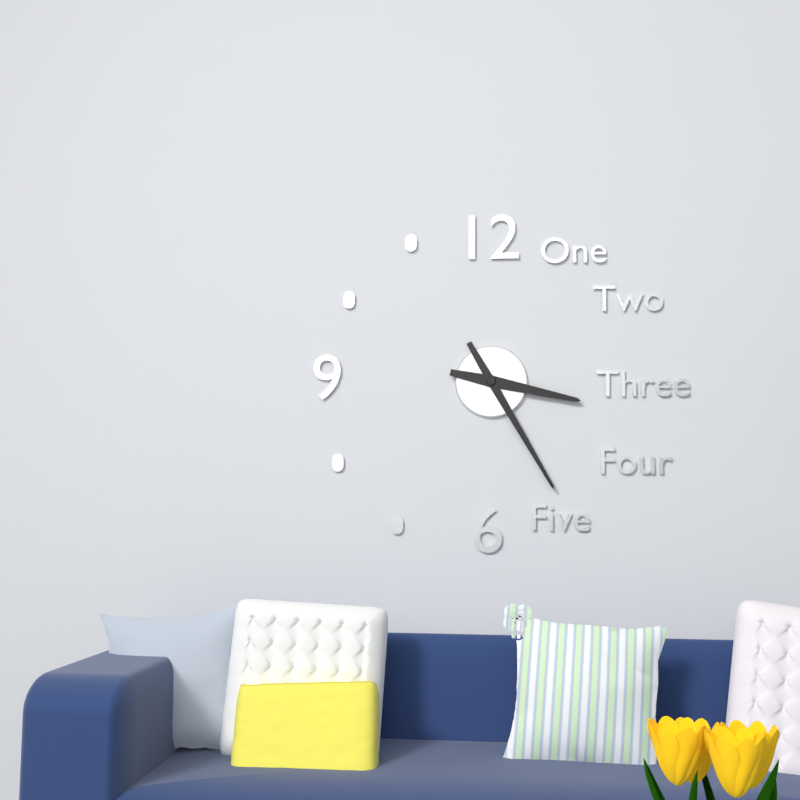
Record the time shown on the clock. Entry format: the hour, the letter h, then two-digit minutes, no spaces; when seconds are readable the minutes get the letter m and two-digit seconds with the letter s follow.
3h25
